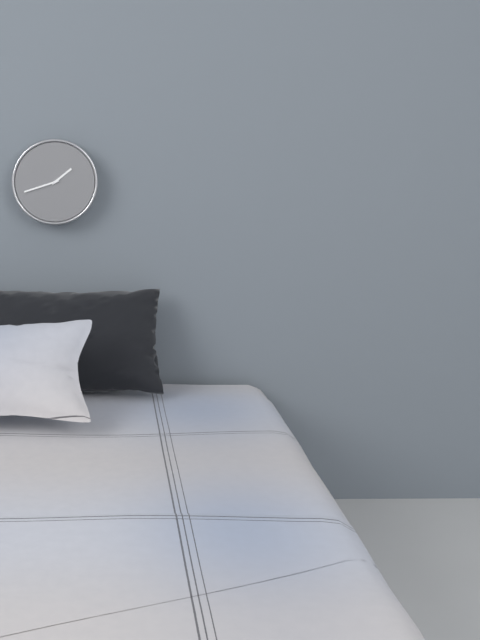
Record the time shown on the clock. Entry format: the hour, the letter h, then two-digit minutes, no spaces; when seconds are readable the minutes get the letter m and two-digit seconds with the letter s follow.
1h42
